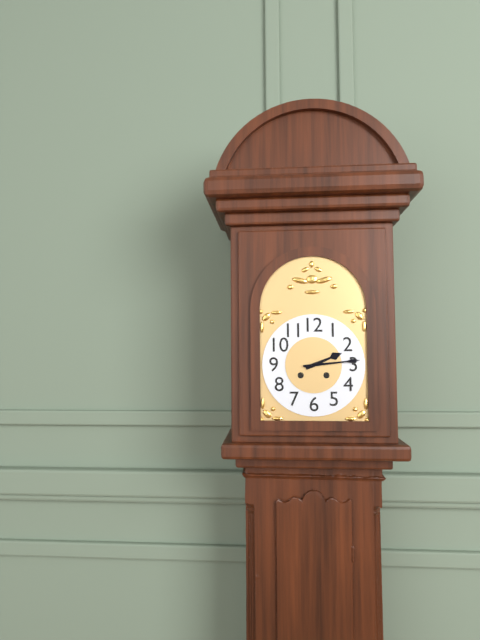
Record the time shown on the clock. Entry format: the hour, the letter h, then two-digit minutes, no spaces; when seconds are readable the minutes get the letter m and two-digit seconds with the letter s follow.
2h14
